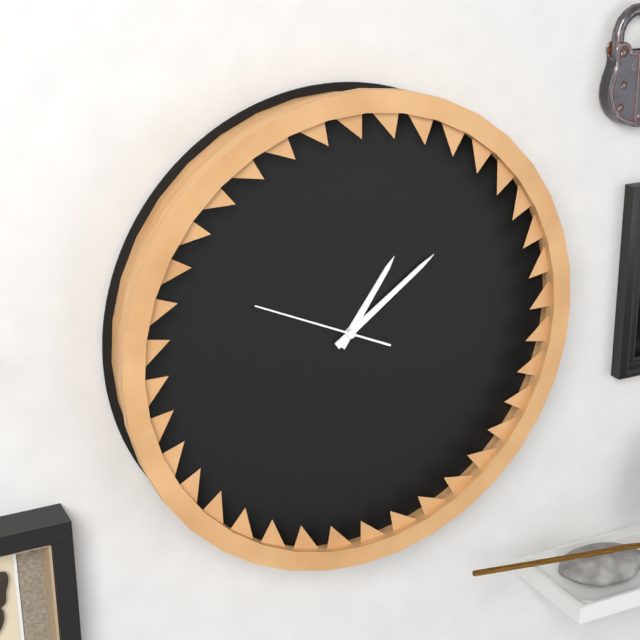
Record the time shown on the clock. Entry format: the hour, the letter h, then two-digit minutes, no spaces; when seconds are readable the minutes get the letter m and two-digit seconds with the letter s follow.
1h09m49s
